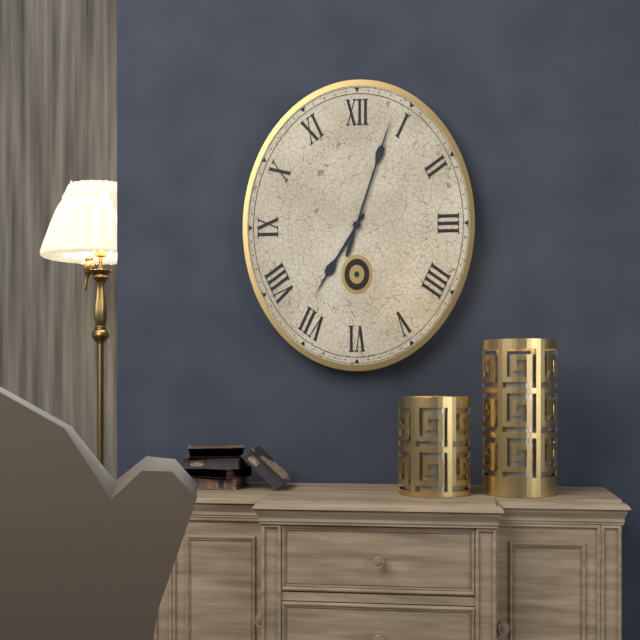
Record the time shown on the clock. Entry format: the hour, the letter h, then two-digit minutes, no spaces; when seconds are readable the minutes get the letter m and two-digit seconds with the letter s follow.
7h03
